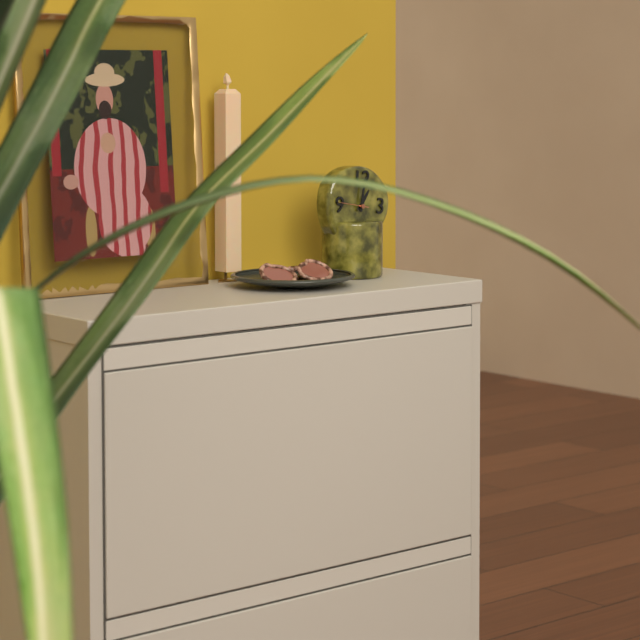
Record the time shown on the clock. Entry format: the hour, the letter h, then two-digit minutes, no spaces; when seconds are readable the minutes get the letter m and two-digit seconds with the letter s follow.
1h01
